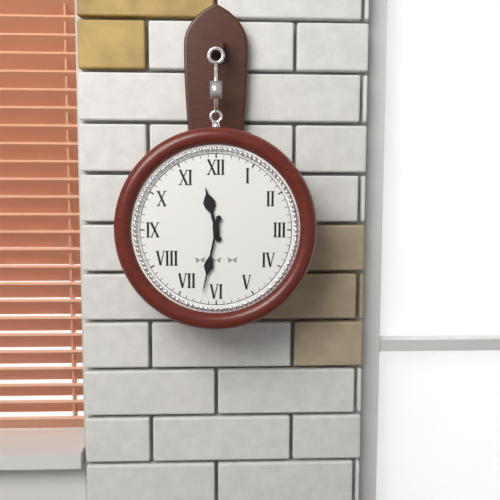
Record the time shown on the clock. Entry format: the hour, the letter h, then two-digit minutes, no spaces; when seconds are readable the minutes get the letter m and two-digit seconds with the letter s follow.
11h32
